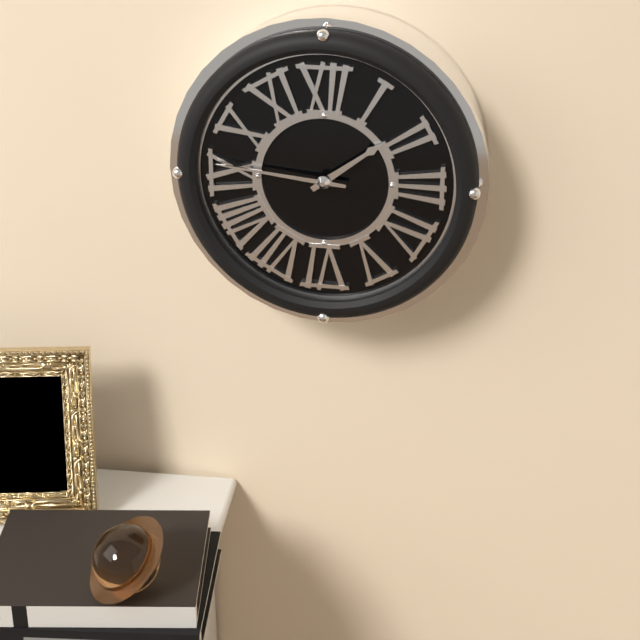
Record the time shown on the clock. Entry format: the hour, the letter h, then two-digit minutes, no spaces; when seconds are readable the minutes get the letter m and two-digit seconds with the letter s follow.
1h46
